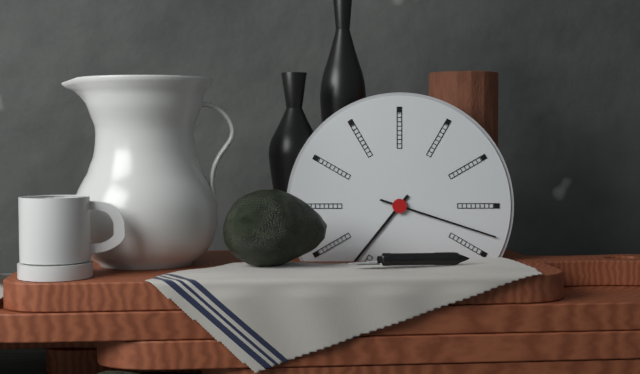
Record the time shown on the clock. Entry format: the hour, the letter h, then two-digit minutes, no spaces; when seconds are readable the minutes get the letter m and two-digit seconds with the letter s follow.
7h18
